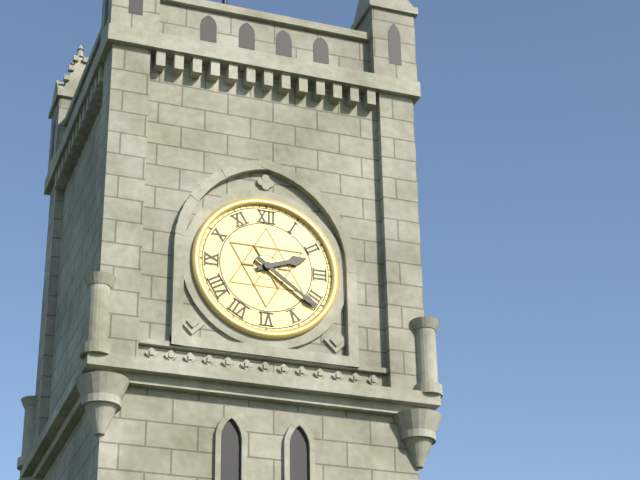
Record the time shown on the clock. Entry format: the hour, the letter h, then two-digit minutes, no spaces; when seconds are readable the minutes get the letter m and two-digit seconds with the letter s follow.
2h21
